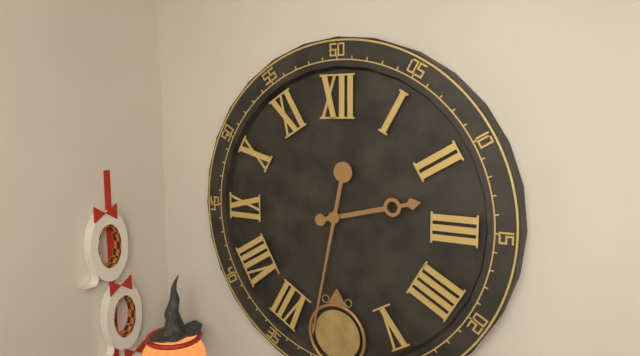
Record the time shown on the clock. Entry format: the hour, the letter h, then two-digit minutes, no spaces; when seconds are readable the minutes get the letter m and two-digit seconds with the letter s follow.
2h32
